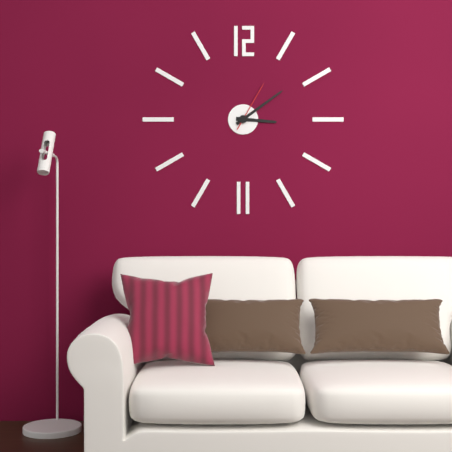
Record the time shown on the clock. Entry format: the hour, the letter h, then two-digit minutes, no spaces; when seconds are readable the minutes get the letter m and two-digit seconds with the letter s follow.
3h09m05s
